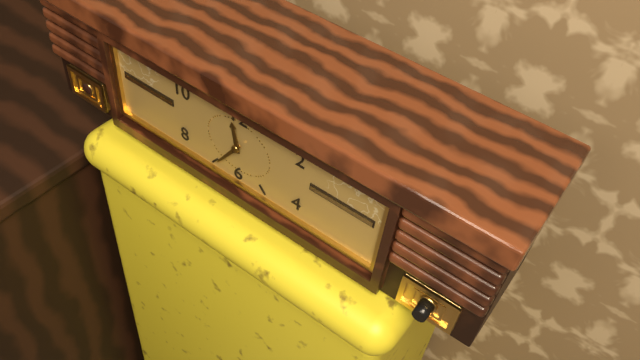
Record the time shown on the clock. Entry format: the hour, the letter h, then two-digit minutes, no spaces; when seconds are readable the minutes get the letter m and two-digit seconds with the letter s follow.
11h36
